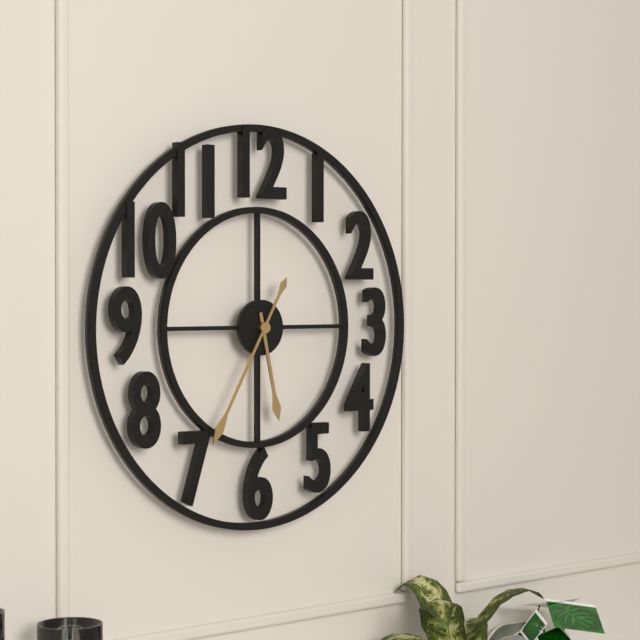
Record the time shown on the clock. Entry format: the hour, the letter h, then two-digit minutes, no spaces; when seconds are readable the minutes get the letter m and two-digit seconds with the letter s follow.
5h35
